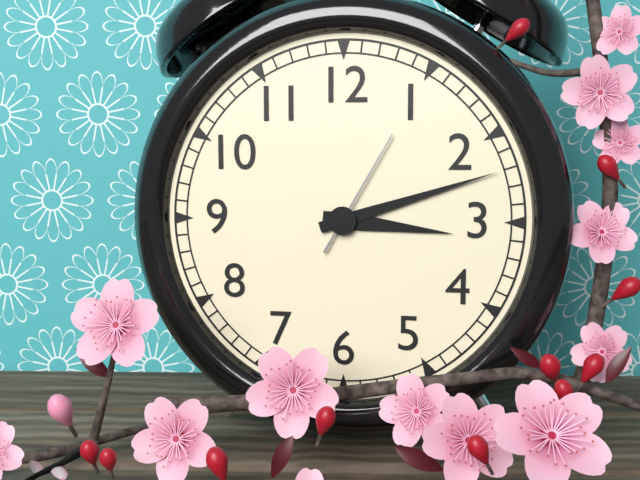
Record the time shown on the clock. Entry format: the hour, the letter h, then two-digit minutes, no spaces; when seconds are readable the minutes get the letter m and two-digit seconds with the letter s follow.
3h12m05s
